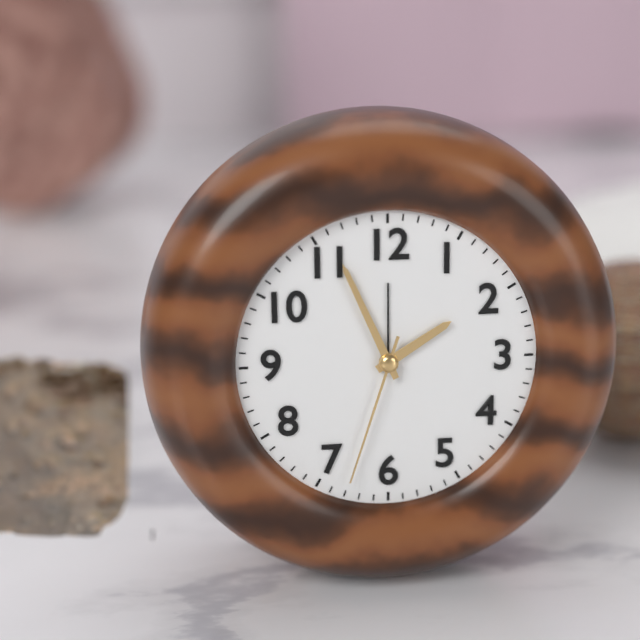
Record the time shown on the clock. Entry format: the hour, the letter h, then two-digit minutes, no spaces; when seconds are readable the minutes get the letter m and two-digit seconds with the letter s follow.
1h56m33s
